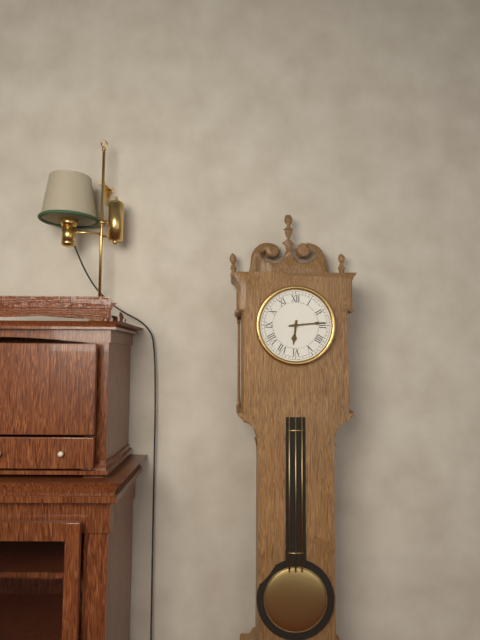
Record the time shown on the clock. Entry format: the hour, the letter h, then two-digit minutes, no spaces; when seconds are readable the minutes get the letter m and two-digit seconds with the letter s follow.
6h14
